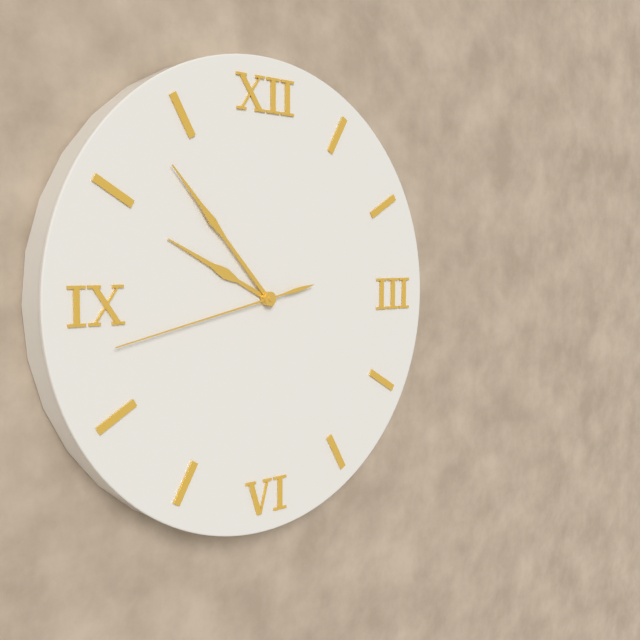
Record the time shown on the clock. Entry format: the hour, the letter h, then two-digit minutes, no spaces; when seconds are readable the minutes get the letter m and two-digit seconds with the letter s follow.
9h53m43s
